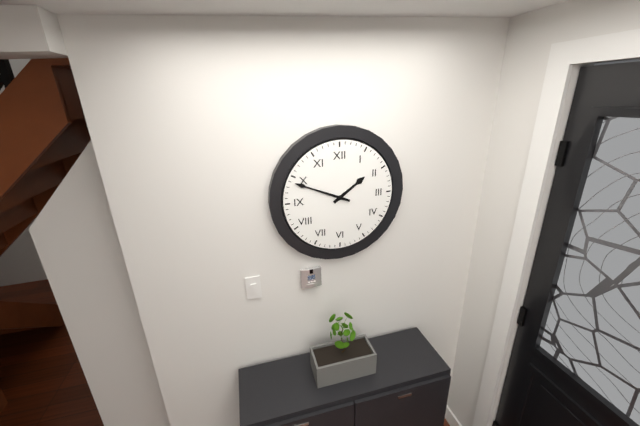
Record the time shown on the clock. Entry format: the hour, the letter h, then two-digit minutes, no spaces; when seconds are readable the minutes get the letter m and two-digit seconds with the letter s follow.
1h49
